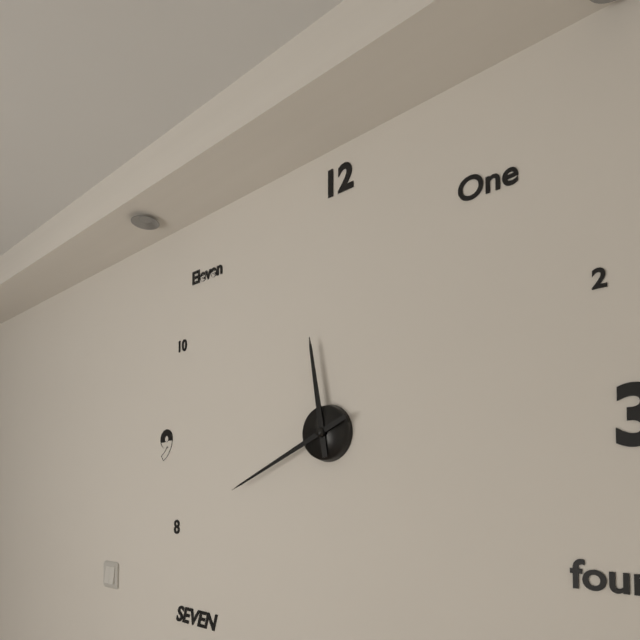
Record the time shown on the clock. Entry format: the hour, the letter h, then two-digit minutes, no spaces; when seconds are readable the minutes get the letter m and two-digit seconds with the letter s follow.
11h41
